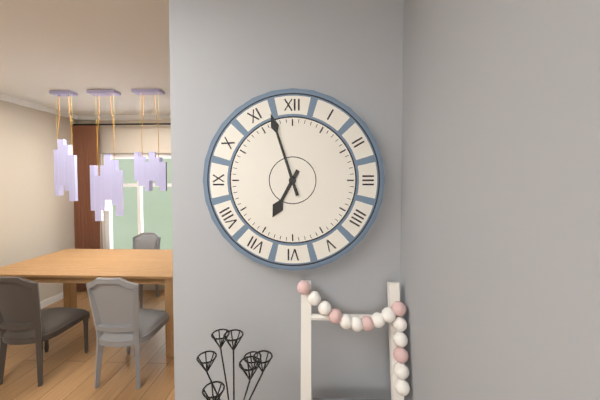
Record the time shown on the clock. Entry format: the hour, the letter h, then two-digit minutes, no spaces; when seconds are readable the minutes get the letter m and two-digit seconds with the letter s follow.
6h57
